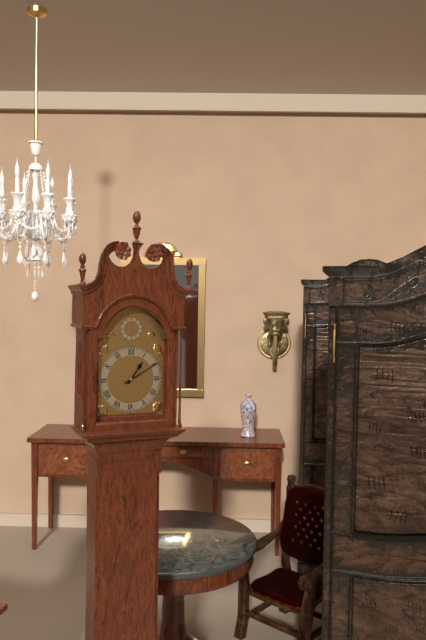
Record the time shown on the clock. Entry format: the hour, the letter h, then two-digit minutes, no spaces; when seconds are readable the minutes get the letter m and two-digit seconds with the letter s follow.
1h10
